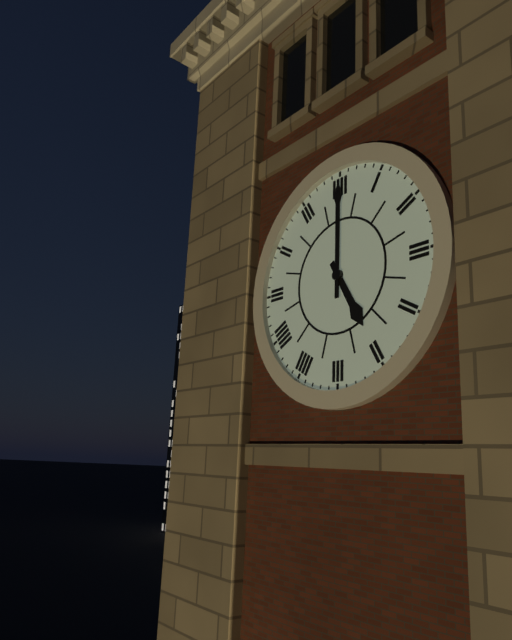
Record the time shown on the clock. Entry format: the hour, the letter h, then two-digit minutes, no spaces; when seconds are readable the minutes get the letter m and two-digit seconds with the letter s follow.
5h00
